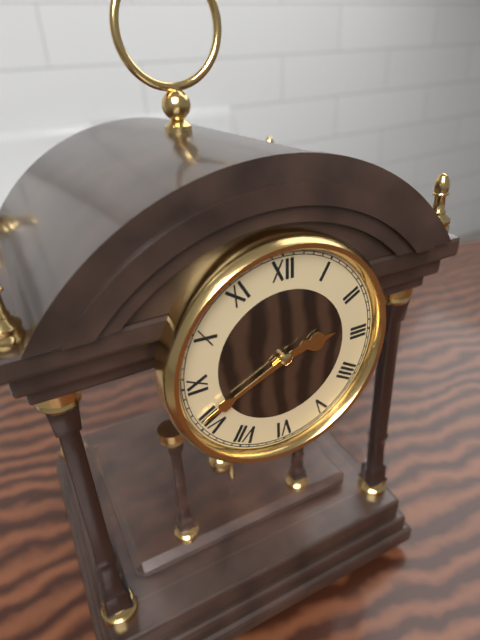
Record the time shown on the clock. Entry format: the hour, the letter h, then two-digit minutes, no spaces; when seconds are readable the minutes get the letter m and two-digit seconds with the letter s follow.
2h41
